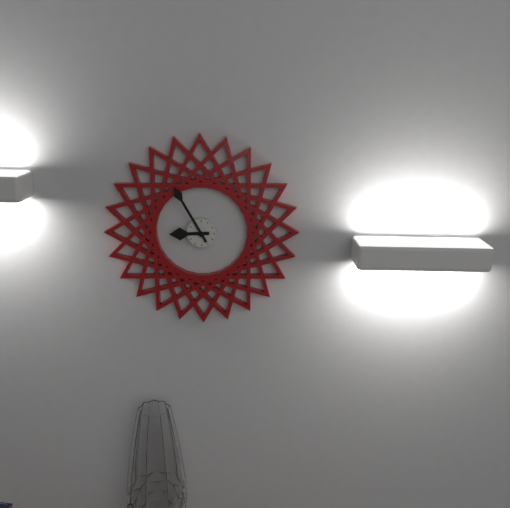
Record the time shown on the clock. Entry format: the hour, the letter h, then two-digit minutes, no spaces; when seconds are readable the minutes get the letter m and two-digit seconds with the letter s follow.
8h55
